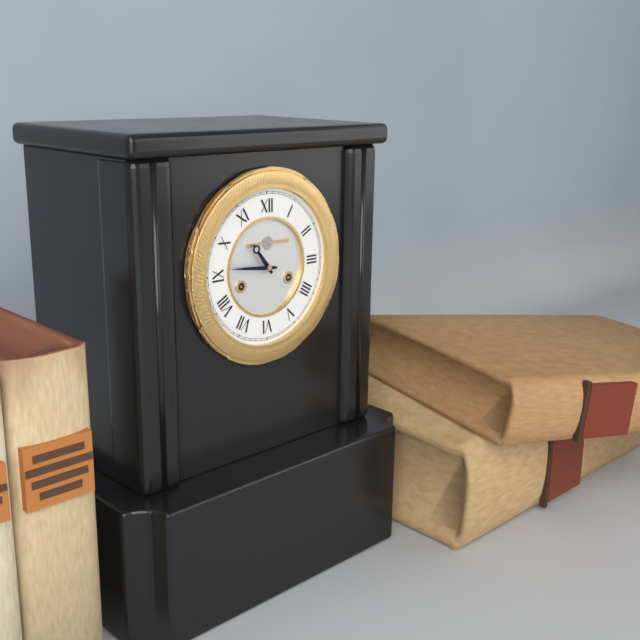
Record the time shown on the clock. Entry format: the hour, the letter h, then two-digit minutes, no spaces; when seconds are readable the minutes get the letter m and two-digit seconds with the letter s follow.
10h46
